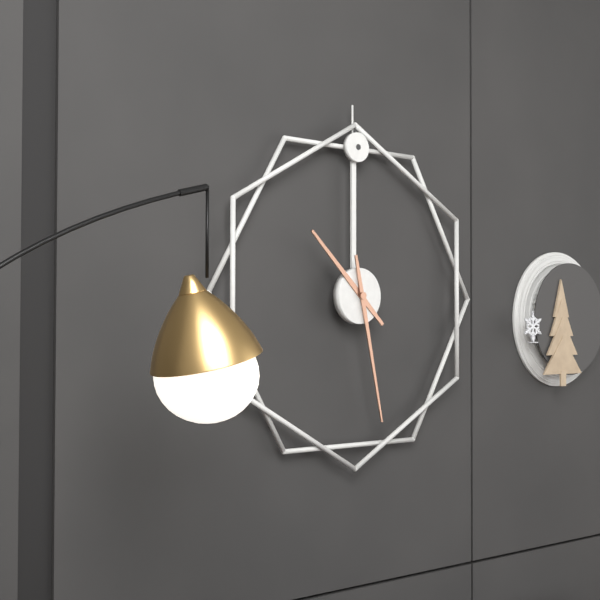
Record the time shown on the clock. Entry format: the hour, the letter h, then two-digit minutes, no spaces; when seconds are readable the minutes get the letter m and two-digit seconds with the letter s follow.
10h28
